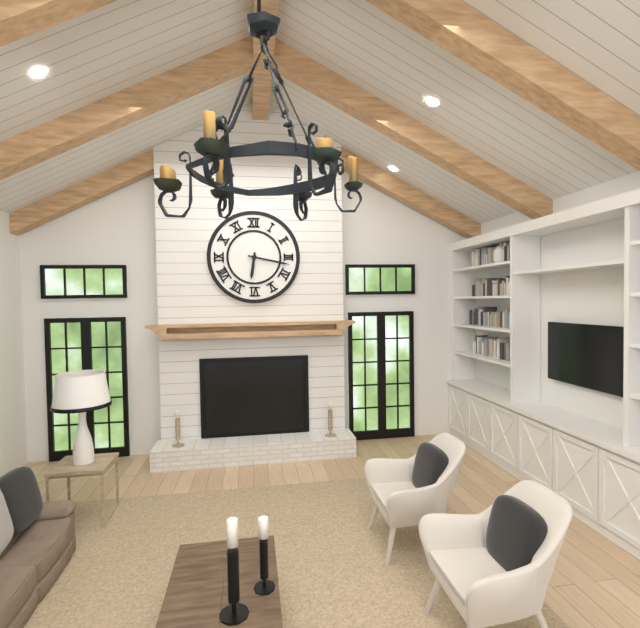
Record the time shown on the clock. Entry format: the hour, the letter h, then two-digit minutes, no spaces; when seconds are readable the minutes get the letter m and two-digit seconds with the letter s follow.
6h17
